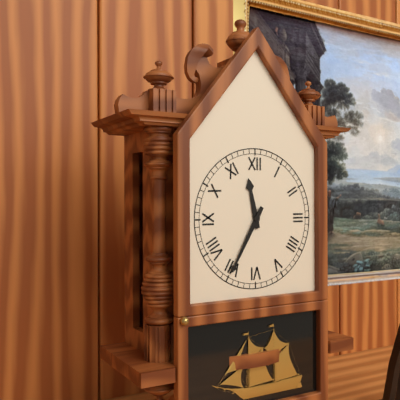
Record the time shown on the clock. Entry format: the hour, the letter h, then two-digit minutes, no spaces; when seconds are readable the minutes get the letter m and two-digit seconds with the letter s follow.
11h35
